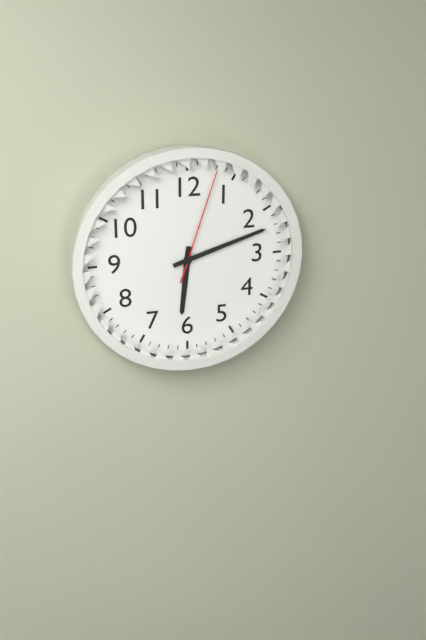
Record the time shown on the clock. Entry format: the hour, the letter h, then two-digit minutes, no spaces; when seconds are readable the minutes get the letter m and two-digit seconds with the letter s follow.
6h12m03s
